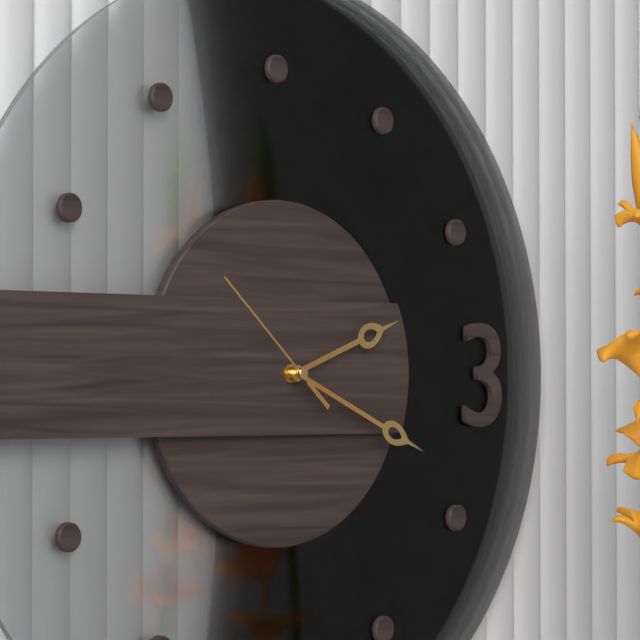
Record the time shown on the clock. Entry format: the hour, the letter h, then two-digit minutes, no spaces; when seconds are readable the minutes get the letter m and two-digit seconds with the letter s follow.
2h19m52s
